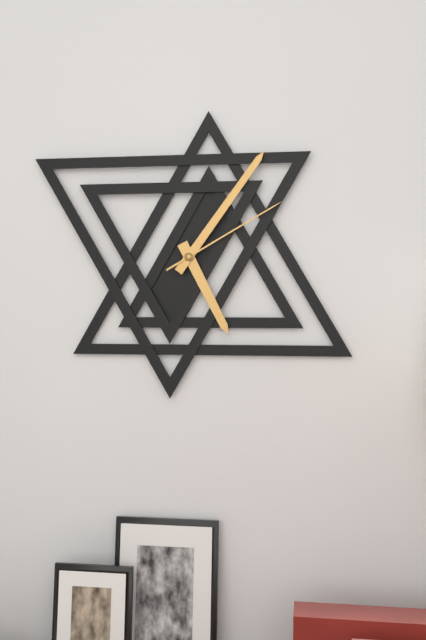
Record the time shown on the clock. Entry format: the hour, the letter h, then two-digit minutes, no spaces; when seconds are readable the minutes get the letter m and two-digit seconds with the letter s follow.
5h06m10s
